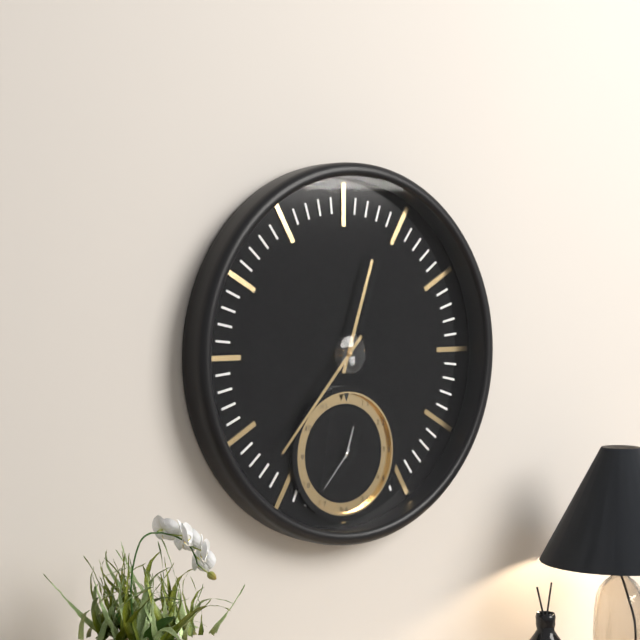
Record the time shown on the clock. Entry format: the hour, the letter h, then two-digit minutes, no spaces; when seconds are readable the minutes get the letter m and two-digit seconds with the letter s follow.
12h37
